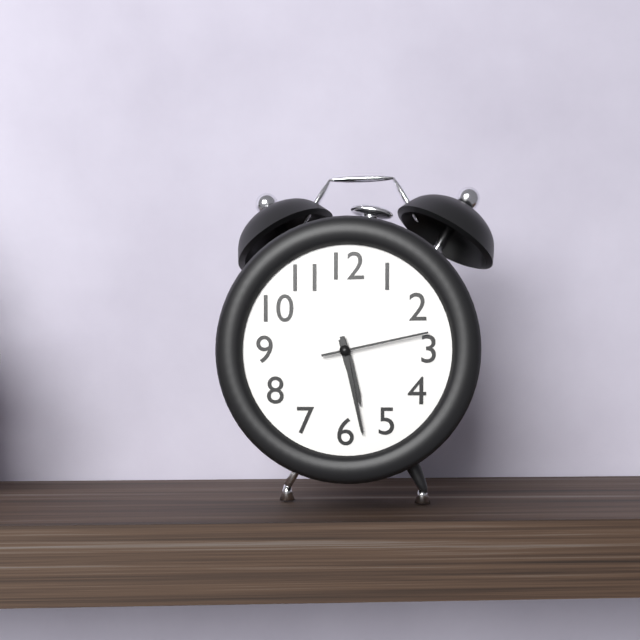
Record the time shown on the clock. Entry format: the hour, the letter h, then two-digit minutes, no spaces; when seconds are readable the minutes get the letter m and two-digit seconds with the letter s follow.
5h28m13s
